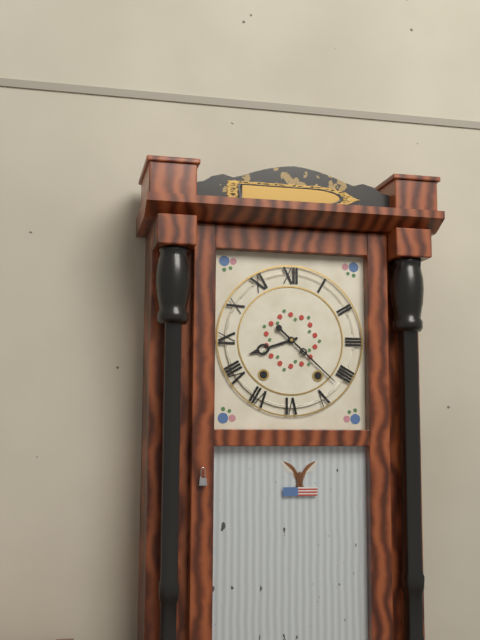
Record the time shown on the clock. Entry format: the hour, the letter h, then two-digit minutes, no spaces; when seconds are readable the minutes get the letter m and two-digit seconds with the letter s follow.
8h22
